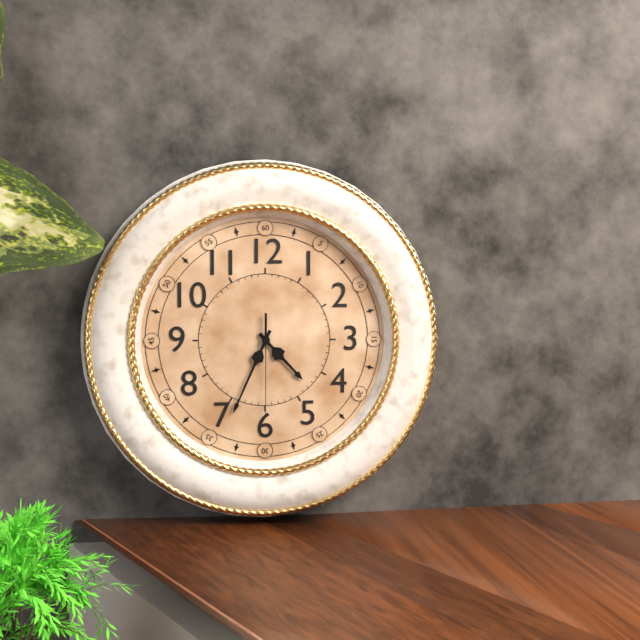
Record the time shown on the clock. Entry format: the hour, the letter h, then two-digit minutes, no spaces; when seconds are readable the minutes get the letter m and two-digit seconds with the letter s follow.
4h34m30s
